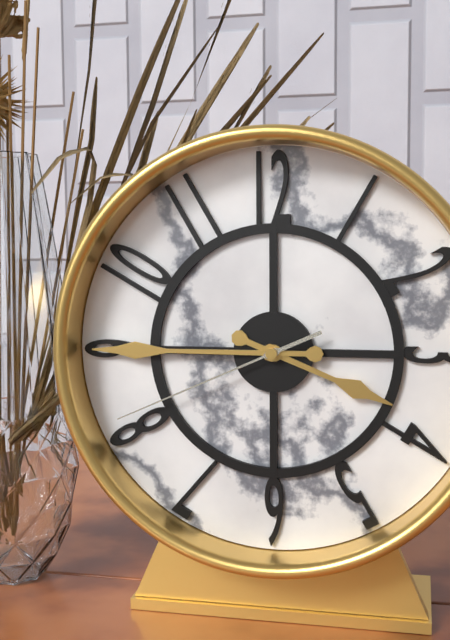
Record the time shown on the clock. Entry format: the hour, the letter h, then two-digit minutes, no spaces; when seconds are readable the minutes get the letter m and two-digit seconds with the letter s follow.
3h45m41s
